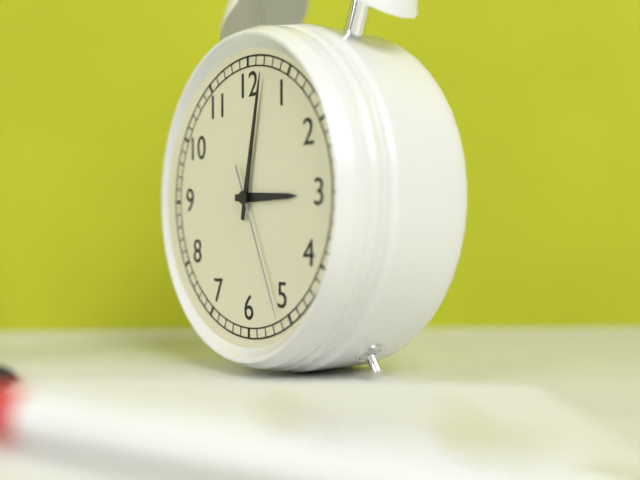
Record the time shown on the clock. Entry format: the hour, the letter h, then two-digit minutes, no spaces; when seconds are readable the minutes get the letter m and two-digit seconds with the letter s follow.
3h02m26s
